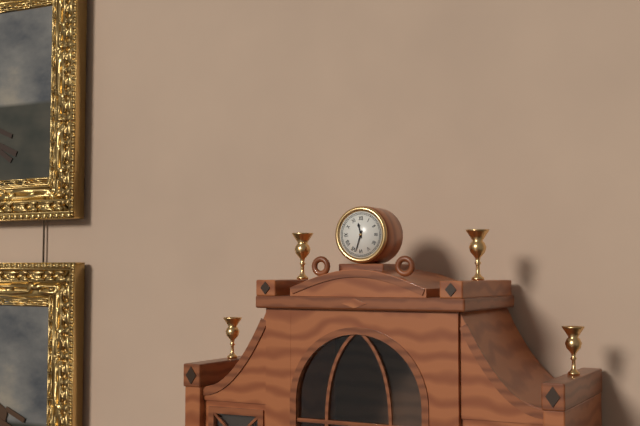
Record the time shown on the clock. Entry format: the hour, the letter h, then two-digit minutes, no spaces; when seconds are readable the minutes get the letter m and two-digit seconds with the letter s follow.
11h33
